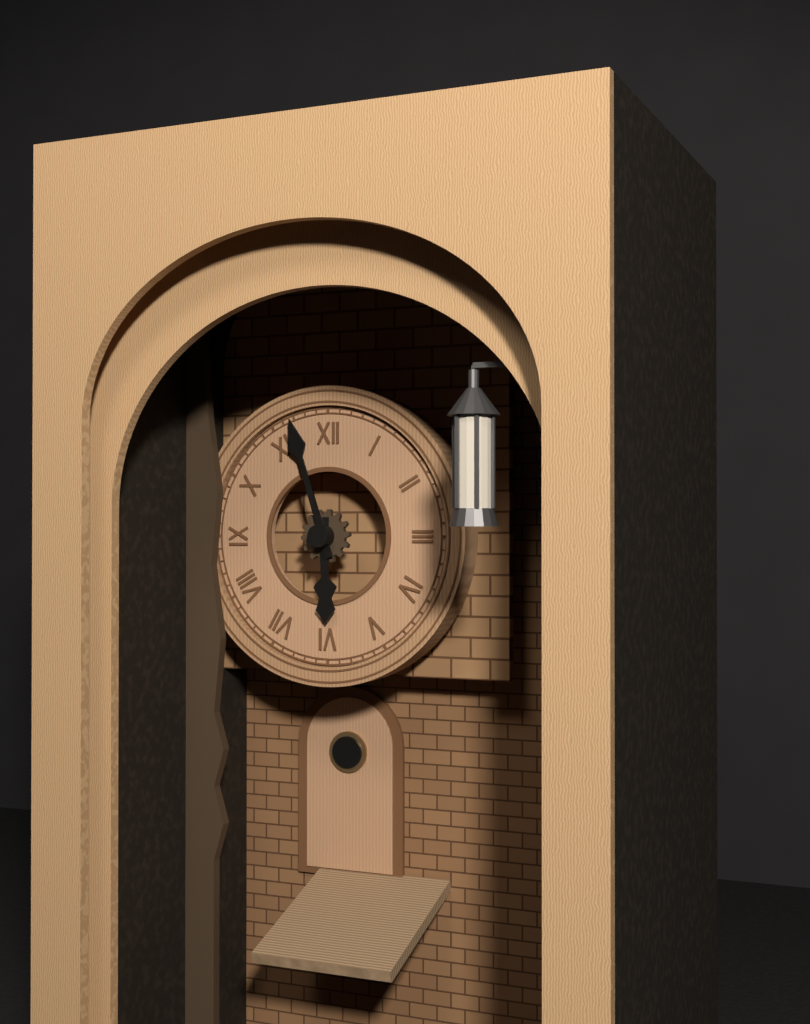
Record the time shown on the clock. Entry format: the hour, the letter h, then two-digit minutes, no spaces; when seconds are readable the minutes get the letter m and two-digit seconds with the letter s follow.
5h57
